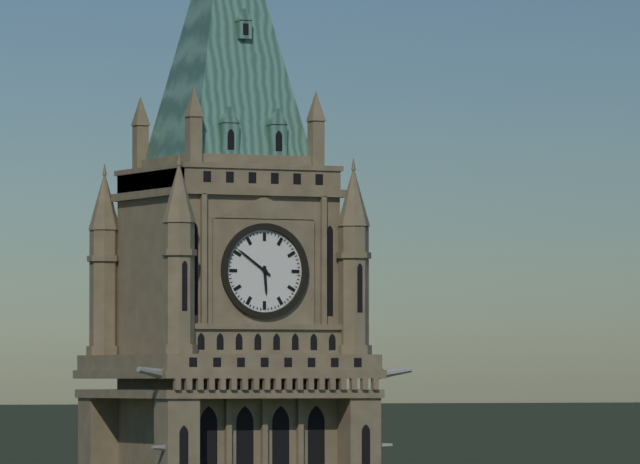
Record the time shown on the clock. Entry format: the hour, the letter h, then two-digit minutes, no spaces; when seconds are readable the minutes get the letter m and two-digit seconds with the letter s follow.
5h51
